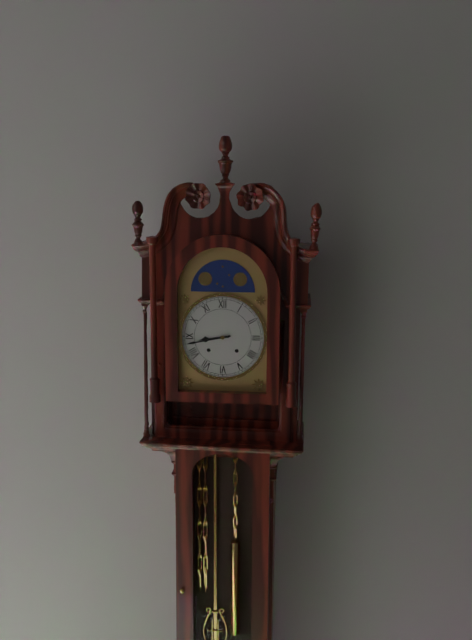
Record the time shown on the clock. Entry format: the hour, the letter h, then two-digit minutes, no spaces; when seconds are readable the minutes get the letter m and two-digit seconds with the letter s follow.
8h43
